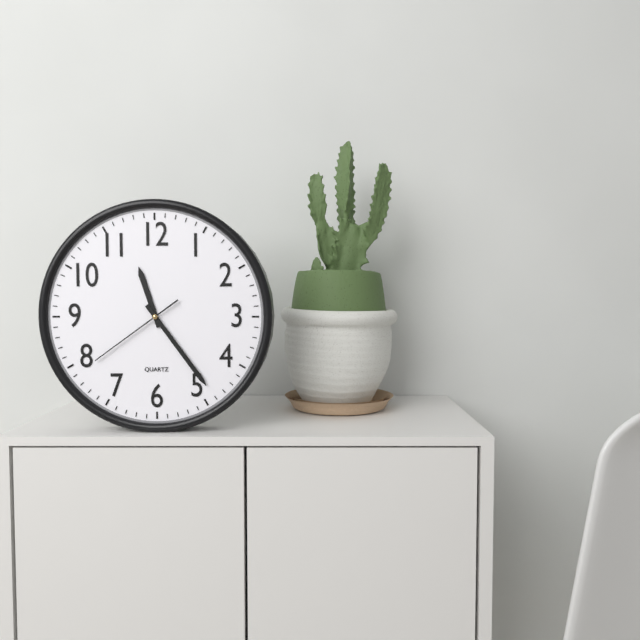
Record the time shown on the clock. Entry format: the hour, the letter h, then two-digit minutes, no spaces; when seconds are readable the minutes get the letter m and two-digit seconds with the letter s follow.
11h24m39s
